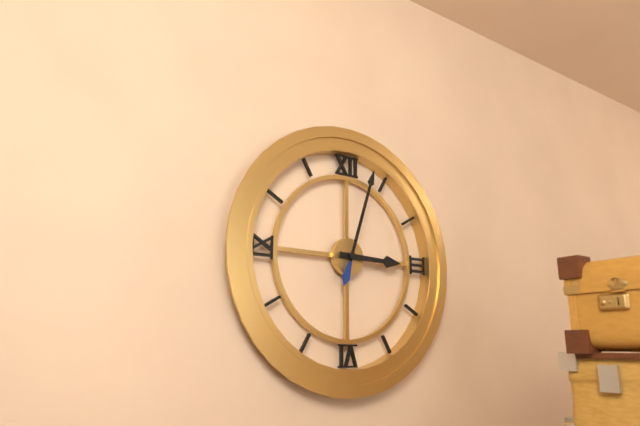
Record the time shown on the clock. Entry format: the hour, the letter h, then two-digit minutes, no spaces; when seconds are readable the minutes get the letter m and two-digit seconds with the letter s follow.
3h03
